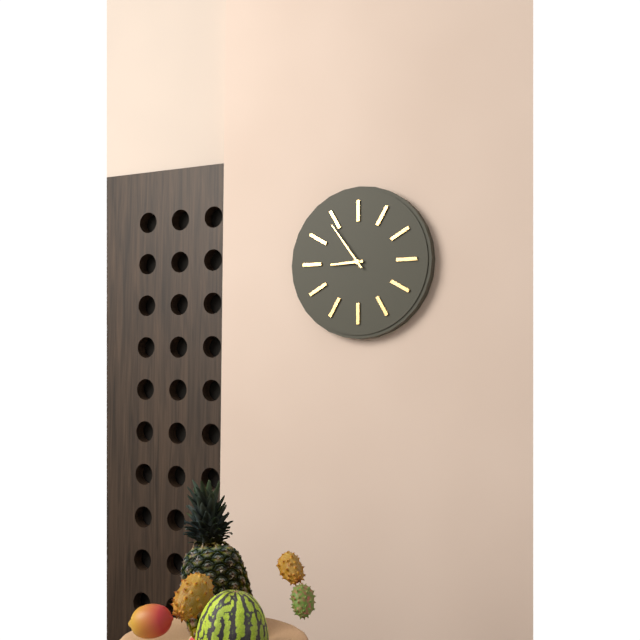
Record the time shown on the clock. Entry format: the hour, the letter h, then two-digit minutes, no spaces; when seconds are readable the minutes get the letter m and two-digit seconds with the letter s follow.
8h54
